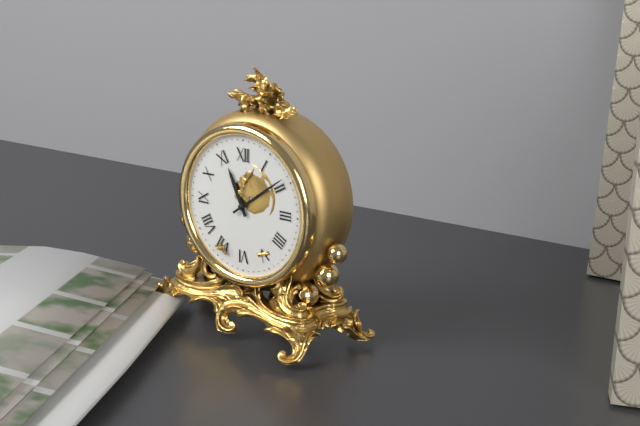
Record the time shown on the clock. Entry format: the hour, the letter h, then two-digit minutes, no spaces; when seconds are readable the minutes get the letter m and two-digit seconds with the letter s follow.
11h09
